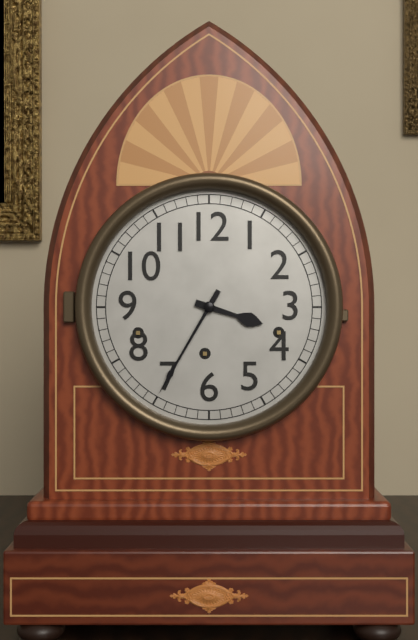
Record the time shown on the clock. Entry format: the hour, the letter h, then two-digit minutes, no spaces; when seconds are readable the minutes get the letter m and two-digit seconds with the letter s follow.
3h35
